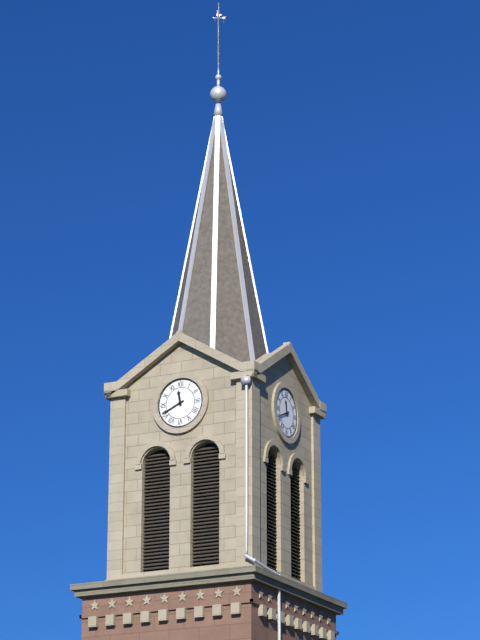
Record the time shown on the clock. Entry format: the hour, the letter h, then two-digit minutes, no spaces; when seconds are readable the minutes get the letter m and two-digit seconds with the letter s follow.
11h41
